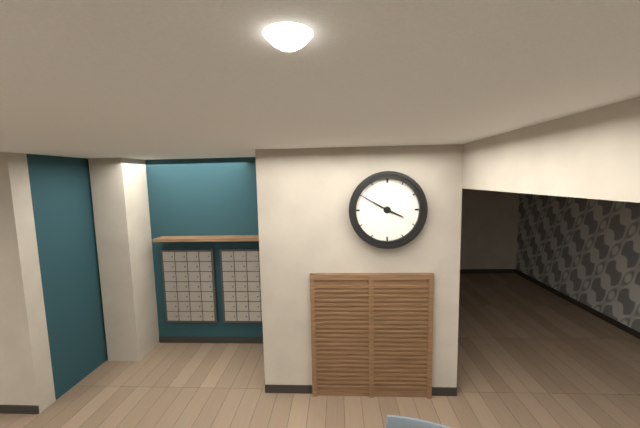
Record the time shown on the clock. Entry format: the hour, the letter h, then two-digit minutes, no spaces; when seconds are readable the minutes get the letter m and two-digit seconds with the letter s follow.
3h50
